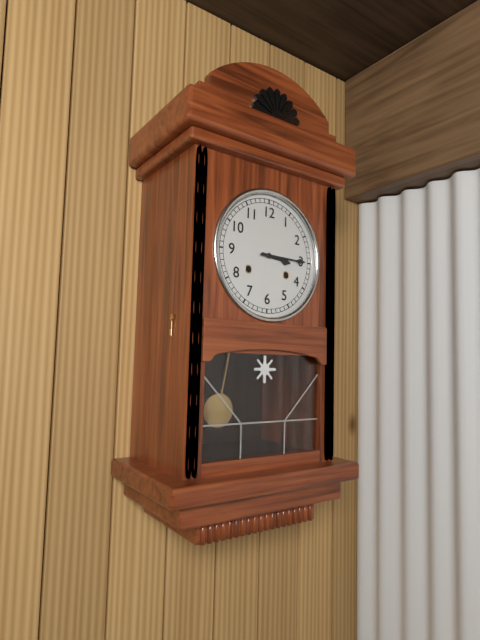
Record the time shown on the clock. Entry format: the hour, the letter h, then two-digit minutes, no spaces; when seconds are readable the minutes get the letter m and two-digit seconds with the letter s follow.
3h15
